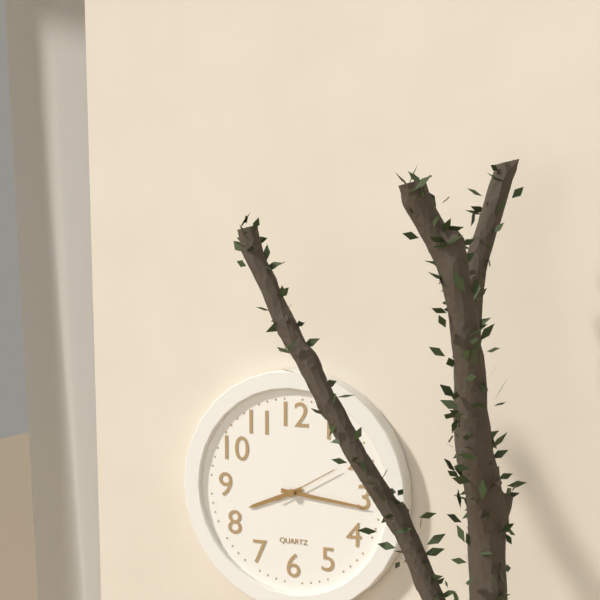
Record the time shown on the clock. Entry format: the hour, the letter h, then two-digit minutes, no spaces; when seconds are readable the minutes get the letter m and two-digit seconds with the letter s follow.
8h16m10s
